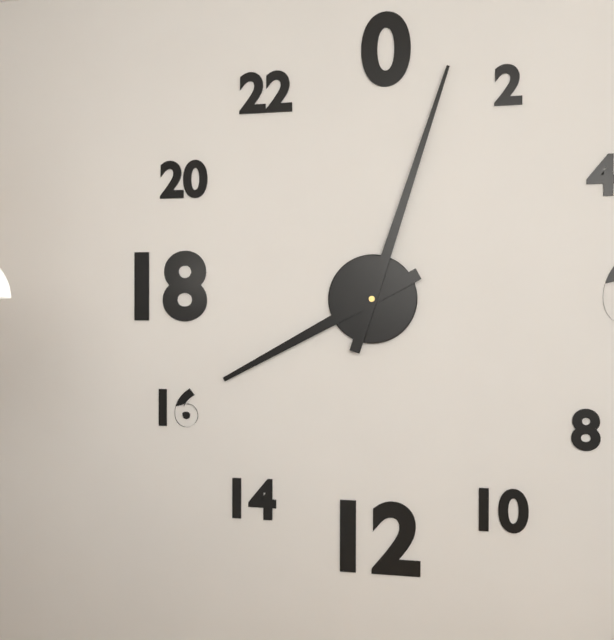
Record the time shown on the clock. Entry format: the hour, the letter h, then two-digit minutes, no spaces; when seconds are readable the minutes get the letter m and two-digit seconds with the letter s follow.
8h03
